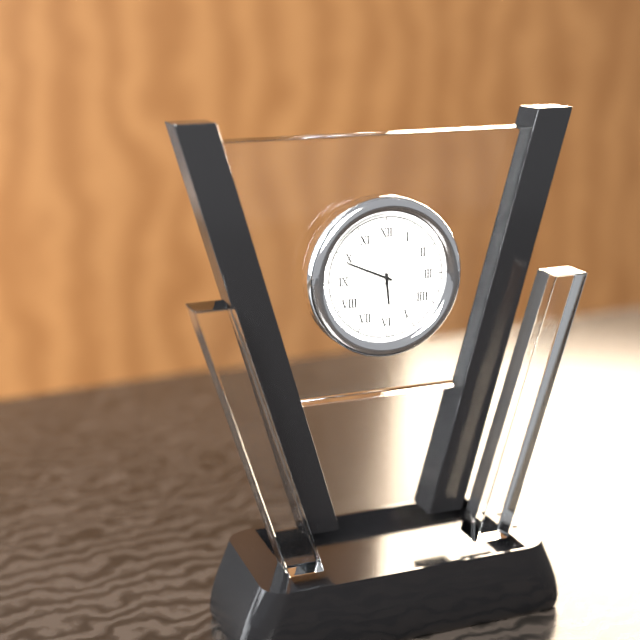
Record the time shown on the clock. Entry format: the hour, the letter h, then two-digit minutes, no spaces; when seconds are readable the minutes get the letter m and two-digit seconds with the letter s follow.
5h49m33s
